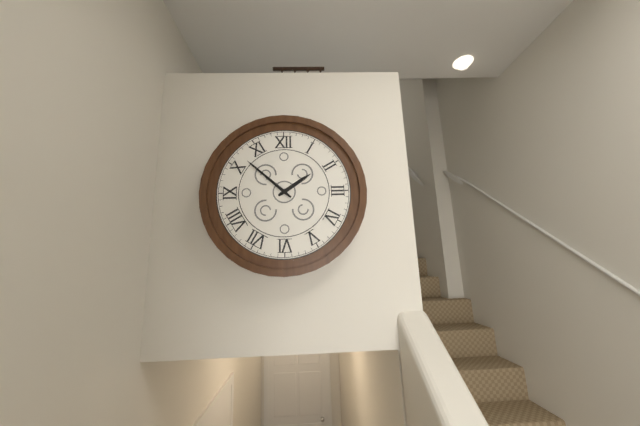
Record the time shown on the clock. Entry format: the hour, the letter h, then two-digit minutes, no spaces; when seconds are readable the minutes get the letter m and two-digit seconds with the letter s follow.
1h52
